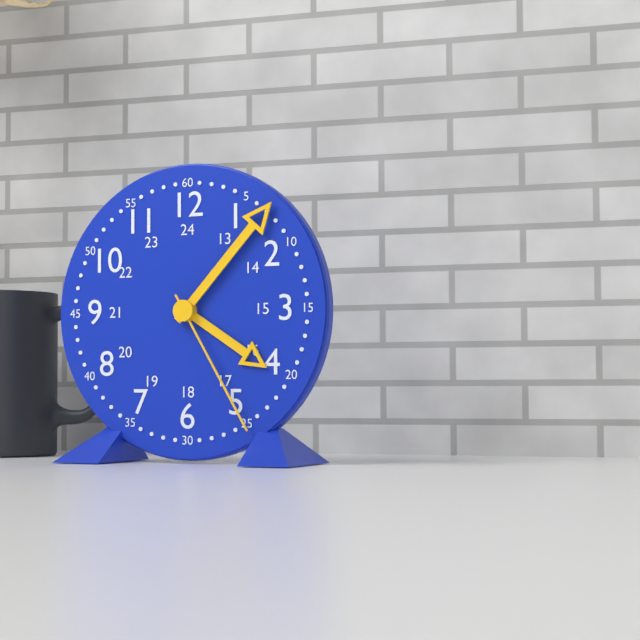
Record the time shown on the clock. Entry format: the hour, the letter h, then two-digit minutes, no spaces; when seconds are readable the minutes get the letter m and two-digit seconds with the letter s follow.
4h07m25s
